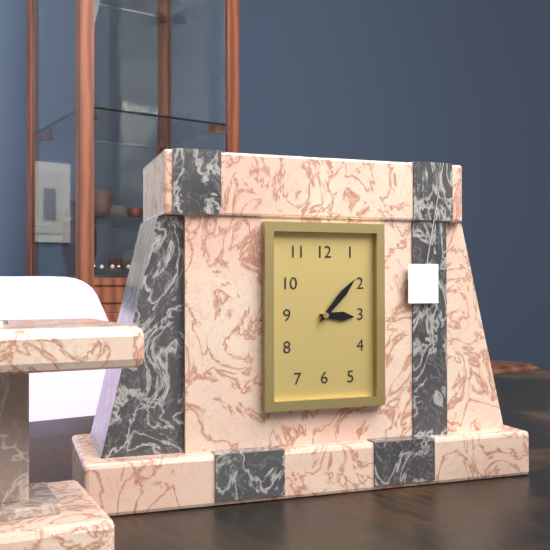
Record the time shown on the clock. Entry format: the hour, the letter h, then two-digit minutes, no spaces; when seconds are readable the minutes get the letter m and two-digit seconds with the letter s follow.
3h07
